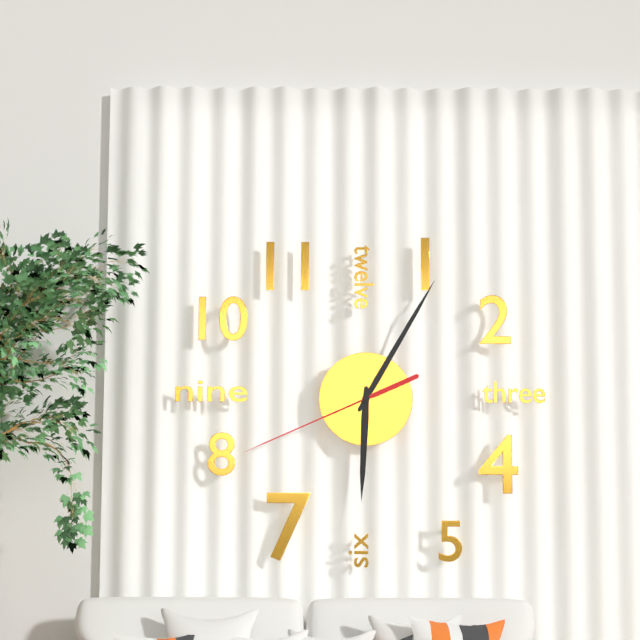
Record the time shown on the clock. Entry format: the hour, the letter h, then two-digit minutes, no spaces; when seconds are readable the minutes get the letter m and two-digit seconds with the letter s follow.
6h05m41s
